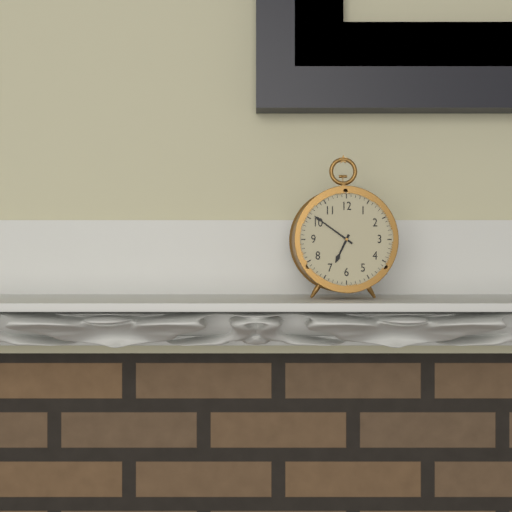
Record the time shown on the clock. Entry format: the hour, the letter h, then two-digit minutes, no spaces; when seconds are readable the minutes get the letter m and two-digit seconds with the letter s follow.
6h51
